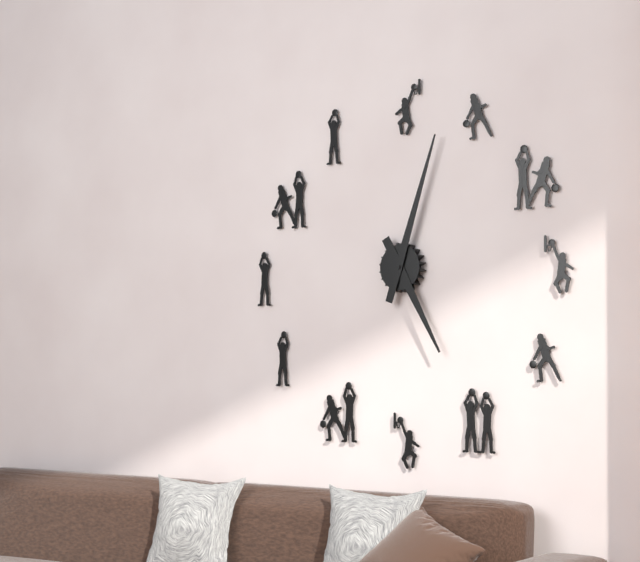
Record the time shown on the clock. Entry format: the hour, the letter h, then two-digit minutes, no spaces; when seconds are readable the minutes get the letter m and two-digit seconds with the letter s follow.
5h03
